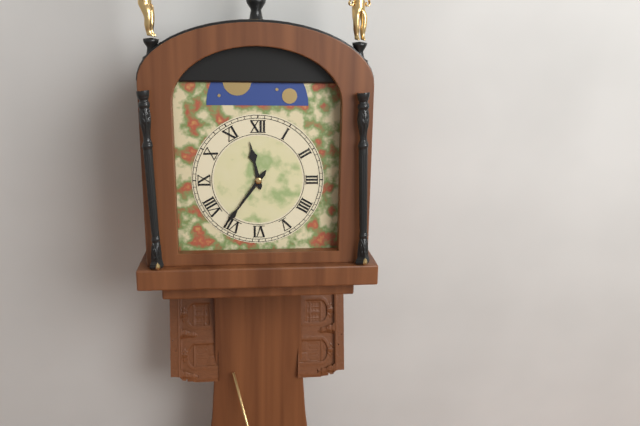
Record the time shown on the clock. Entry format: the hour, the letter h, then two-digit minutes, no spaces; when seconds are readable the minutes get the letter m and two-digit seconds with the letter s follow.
11h36
